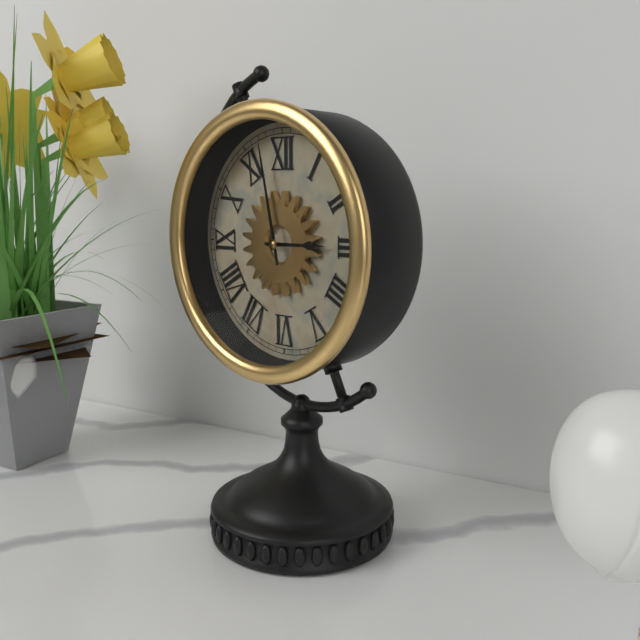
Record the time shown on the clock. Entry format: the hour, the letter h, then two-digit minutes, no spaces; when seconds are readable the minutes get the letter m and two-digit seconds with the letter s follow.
2h58
